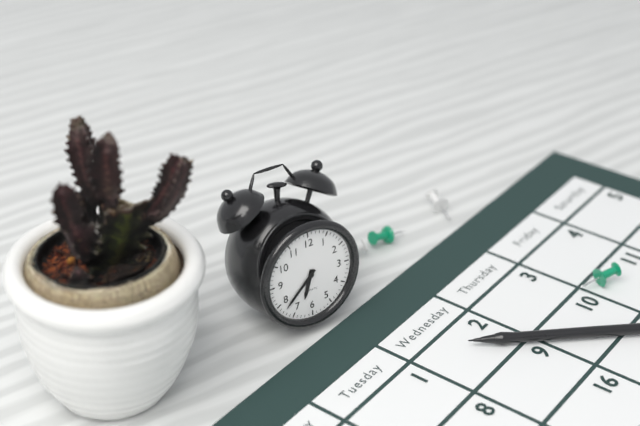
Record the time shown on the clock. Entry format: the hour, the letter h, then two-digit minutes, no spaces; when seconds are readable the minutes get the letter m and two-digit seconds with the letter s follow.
6h38
